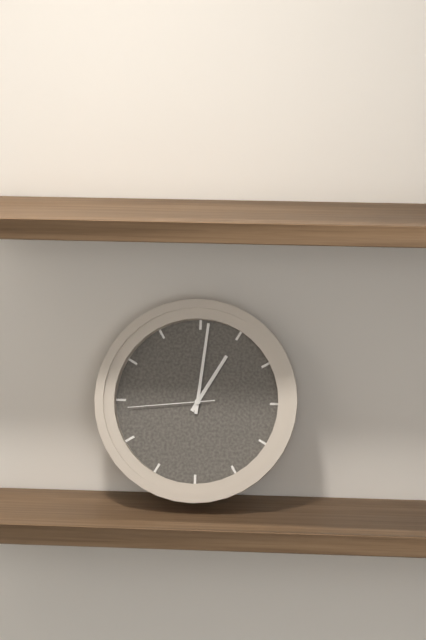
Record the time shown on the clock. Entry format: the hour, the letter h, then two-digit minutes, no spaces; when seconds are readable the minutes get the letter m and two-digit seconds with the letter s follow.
1h01m44s
